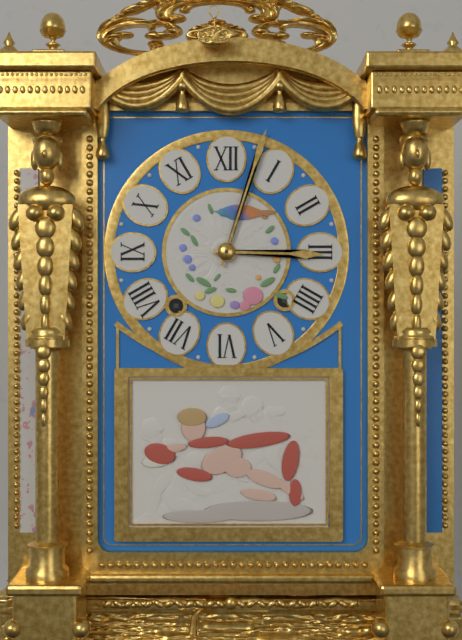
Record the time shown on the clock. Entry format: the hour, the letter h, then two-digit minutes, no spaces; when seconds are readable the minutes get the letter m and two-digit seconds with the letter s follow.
3h03
